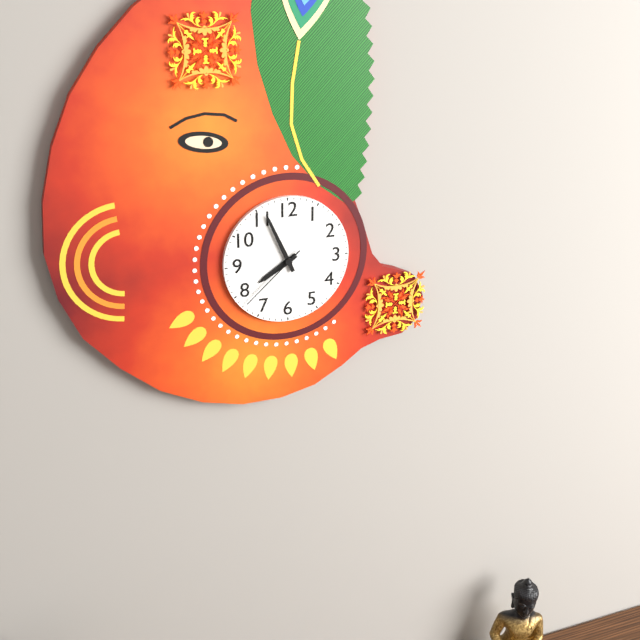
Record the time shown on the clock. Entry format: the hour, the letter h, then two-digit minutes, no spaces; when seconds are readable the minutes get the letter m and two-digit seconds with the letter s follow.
7h56m38s
